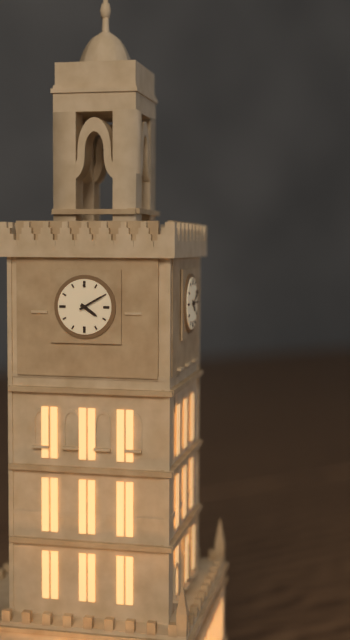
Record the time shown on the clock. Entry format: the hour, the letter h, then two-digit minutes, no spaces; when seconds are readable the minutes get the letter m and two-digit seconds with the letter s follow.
4h10
